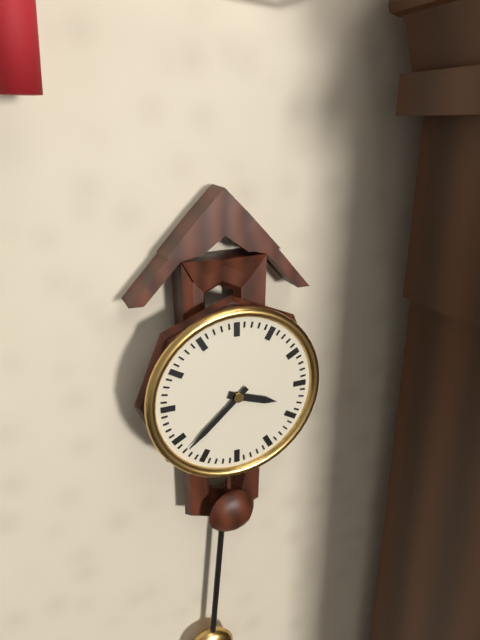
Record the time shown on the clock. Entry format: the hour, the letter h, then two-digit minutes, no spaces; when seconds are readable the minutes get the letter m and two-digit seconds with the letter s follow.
3h38
